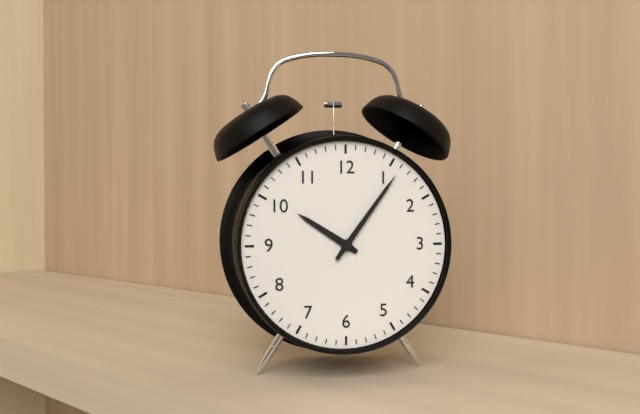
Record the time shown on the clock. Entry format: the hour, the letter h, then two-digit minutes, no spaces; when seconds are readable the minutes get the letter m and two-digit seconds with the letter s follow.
10h06
